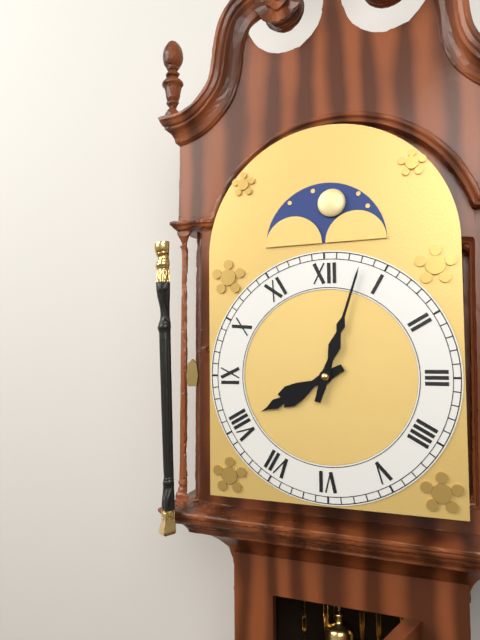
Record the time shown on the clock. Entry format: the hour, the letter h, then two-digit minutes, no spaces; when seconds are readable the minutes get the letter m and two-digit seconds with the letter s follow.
8h03
